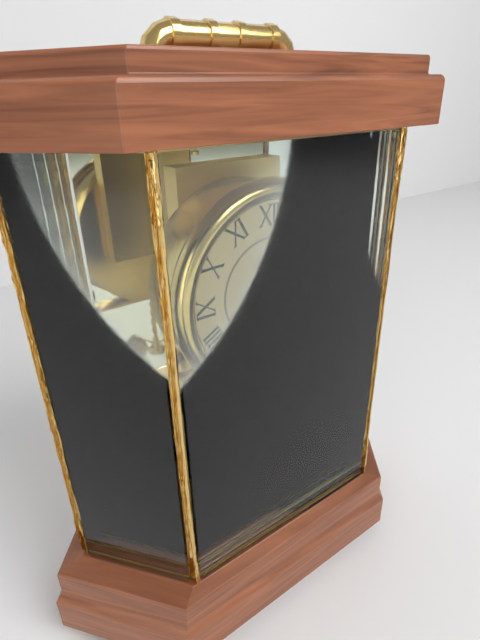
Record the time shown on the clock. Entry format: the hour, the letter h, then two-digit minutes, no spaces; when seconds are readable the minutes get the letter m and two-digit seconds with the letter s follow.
4h11
